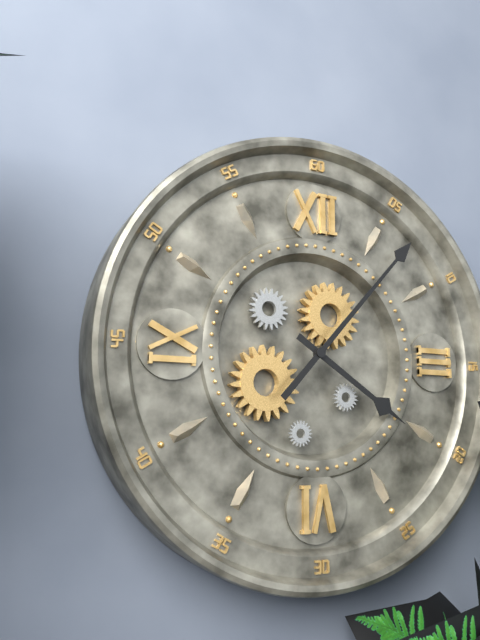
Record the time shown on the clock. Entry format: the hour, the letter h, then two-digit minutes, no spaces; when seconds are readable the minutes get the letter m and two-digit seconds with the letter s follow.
4h07
